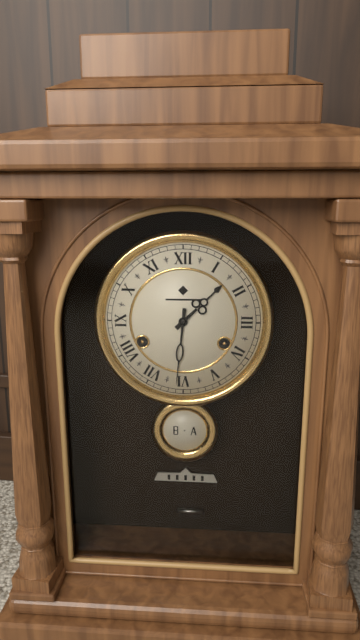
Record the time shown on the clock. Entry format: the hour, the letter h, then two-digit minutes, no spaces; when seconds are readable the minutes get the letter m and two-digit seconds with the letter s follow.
1h31
